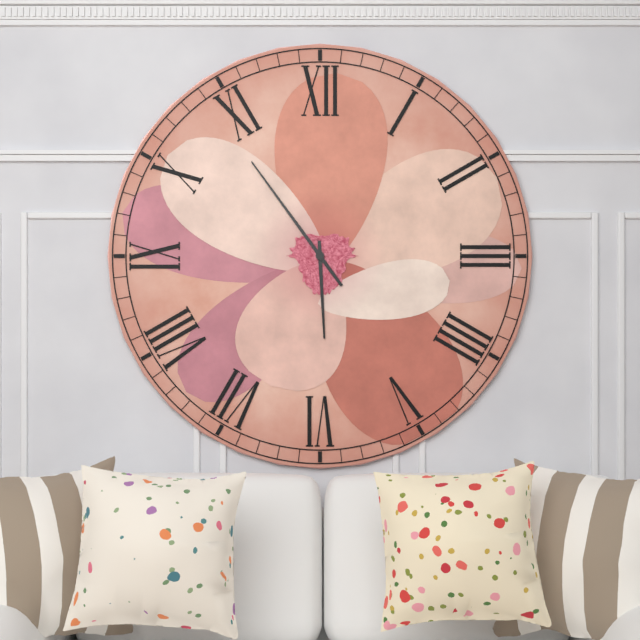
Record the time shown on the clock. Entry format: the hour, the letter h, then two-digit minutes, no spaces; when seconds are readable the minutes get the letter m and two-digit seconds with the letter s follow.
5h54
